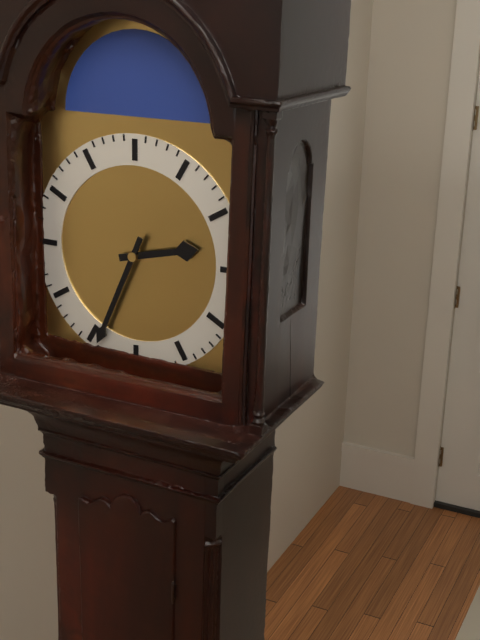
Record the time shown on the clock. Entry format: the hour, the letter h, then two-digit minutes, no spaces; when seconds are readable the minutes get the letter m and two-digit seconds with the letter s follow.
2h34
